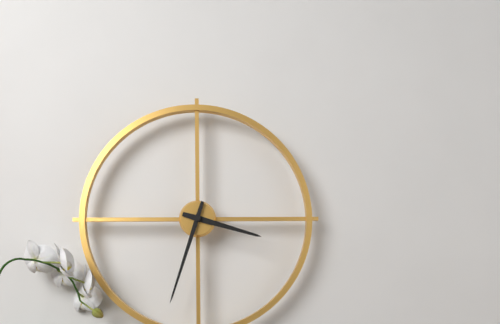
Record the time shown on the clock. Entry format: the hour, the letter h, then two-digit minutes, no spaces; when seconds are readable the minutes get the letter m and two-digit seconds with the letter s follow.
3h33
